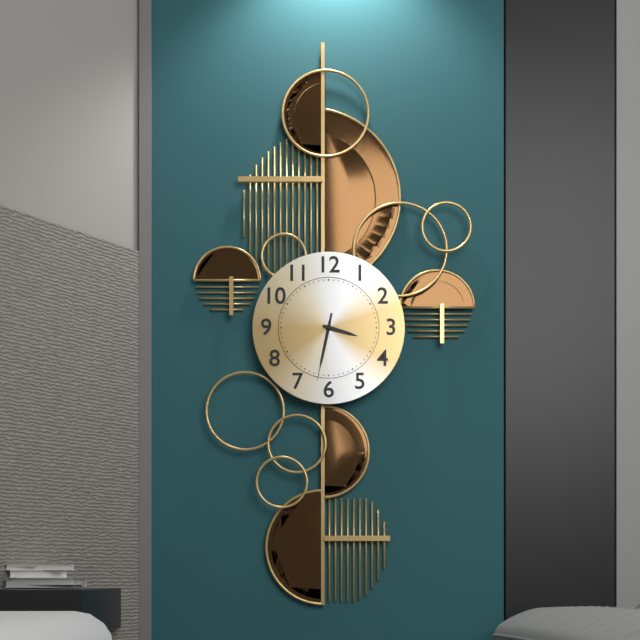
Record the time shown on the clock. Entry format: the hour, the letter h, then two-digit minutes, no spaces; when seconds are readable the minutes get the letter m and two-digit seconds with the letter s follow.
3h32m32s
